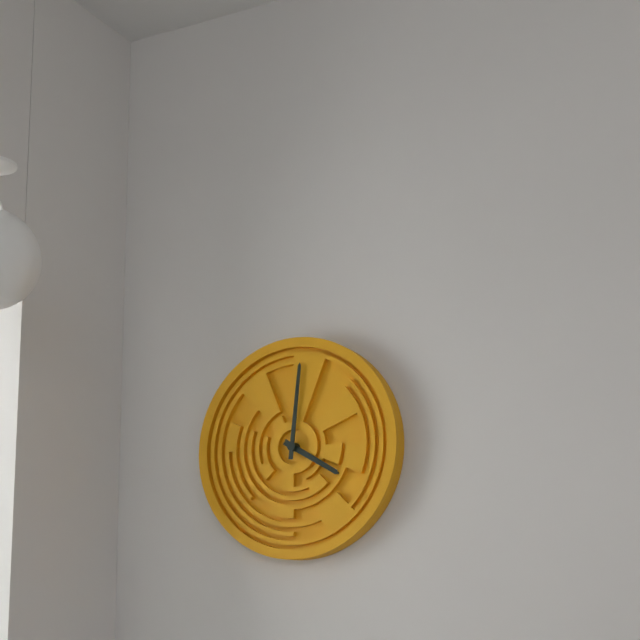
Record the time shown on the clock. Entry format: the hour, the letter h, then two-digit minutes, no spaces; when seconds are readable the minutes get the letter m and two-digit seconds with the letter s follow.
4h01
